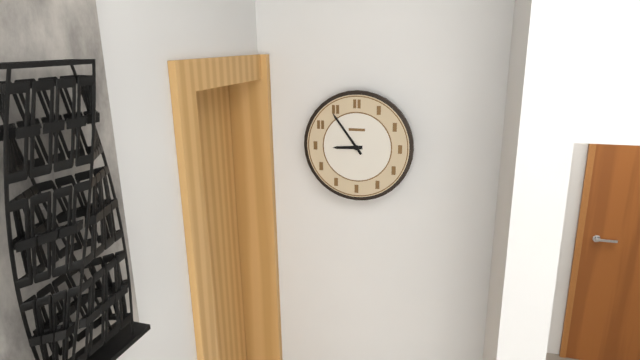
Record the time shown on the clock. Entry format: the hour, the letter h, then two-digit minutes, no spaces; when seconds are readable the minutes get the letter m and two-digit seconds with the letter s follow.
8h54
